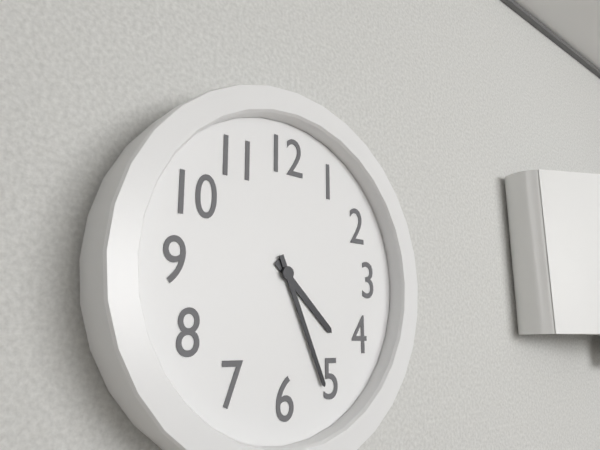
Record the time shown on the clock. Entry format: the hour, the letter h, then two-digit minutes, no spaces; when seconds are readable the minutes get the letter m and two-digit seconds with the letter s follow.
4h26
